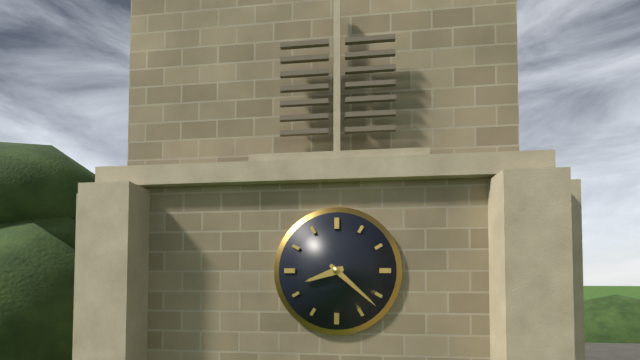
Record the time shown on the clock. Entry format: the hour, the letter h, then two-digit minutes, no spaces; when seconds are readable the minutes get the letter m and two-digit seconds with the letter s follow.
8h22
